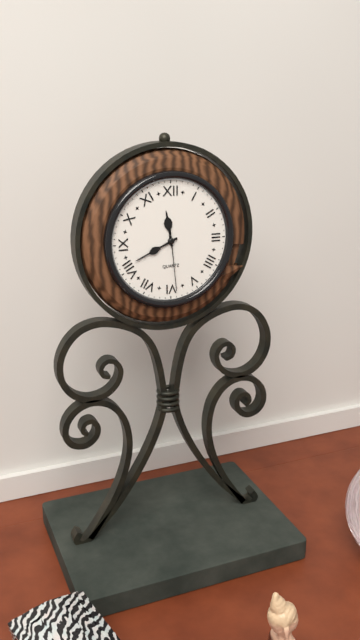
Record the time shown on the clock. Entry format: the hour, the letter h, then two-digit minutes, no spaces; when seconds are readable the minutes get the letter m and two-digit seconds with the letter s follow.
11h41m29s
